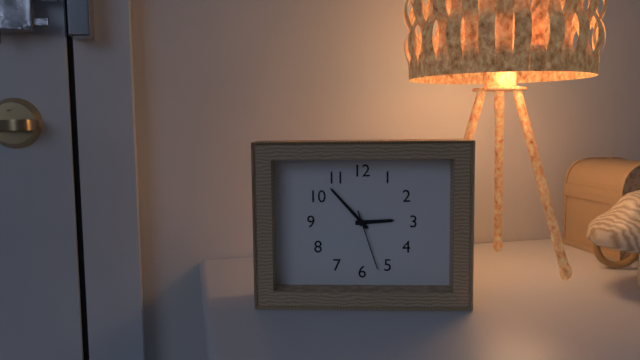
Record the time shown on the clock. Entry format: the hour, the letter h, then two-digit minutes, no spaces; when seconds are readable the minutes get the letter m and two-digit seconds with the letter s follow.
2h53m27s
